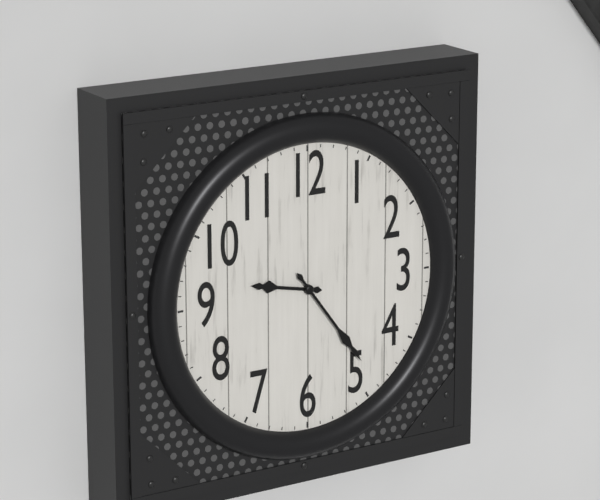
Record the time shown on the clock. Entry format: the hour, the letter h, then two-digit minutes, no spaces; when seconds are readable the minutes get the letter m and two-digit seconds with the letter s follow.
9h24
